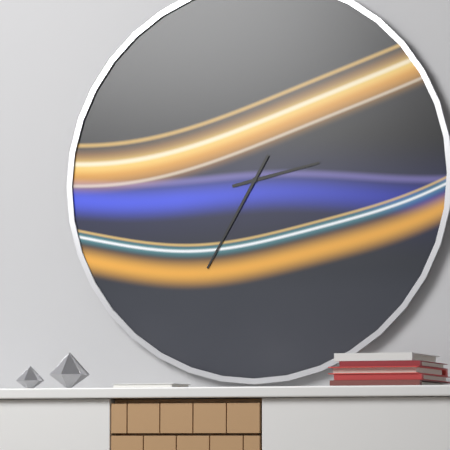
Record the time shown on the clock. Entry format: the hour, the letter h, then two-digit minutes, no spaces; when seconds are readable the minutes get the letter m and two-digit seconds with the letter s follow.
2h35
